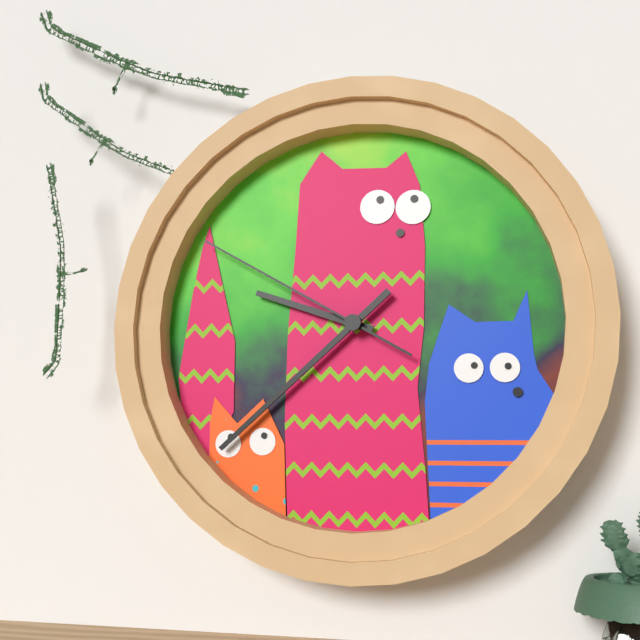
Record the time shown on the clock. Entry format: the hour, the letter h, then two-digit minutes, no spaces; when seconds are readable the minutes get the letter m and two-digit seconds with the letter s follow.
9h38m50s
